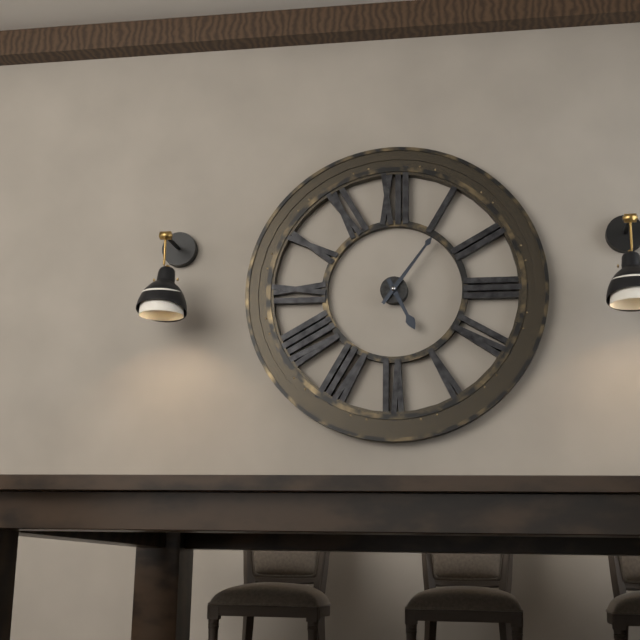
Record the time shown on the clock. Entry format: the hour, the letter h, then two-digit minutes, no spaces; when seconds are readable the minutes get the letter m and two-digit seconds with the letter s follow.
5h06
